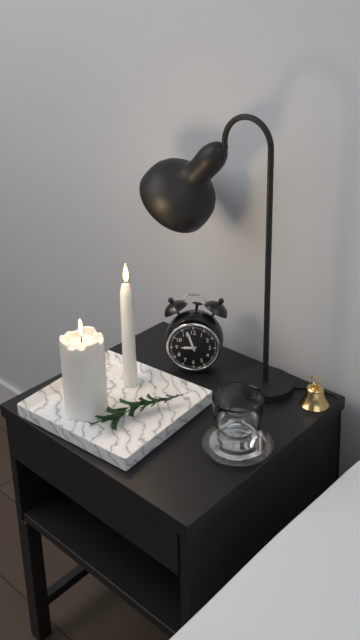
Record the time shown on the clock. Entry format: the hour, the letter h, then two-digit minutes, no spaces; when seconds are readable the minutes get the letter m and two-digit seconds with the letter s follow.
8h57
